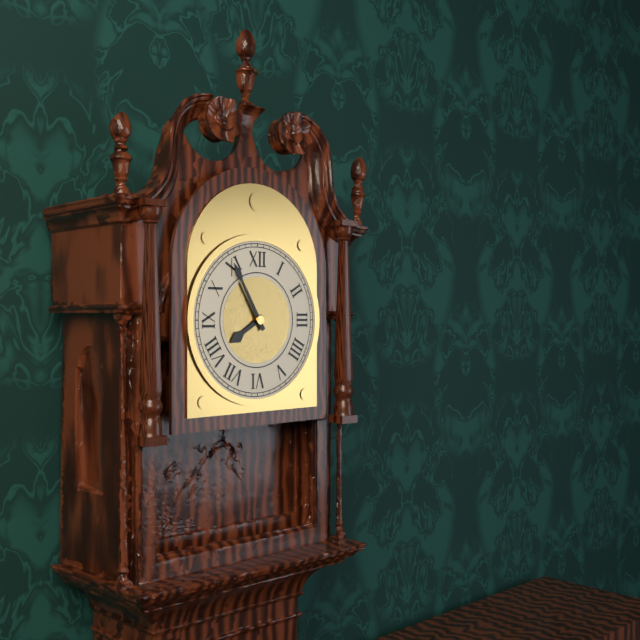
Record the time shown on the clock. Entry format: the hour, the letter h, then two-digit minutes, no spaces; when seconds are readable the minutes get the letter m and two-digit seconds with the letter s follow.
7h55
